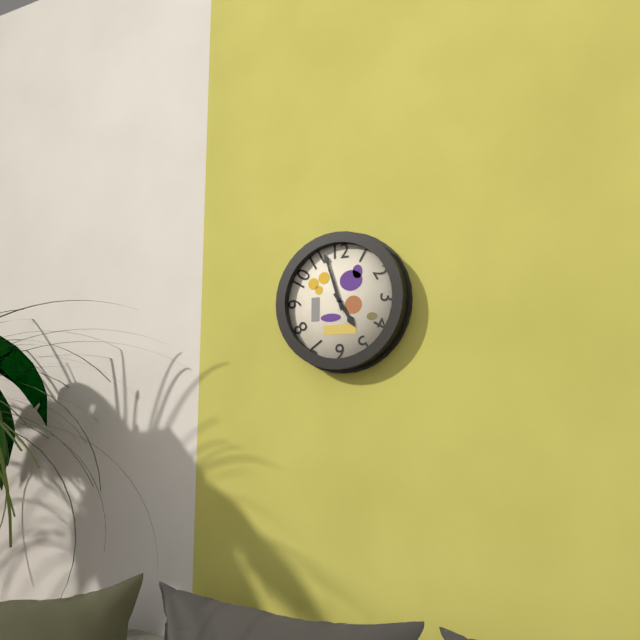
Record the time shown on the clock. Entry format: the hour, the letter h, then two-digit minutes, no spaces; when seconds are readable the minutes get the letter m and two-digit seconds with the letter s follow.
4h57
